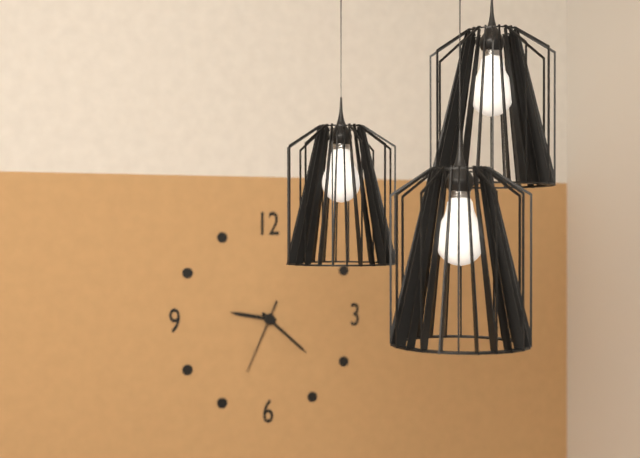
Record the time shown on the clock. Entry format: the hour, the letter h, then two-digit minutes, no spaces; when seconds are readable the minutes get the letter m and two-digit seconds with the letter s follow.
9h22m34s
